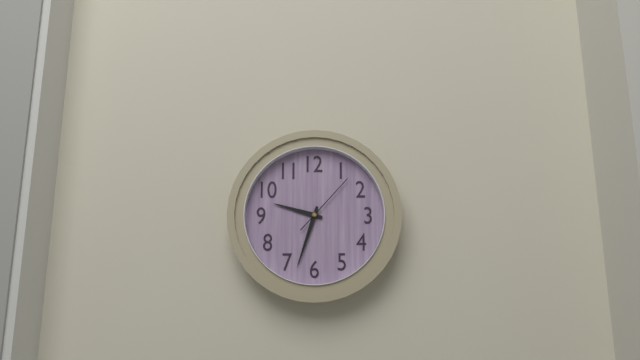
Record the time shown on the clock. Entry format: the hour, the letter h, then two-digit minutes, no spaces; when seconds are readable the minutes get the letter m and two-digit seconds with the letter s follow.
9h33m07s
